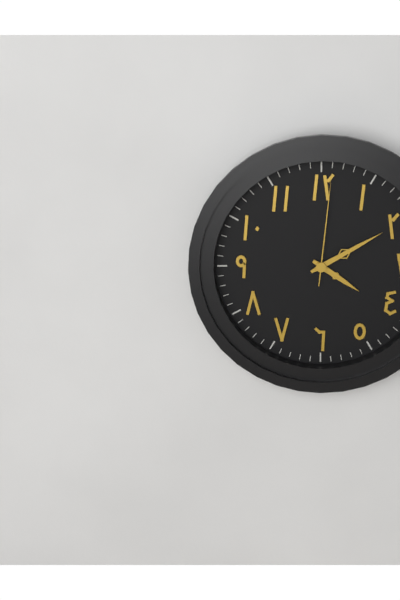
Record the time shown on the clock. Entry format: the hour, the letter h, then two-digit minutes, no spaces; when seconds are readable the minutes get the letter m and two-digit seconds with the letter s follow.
4h10m01s
